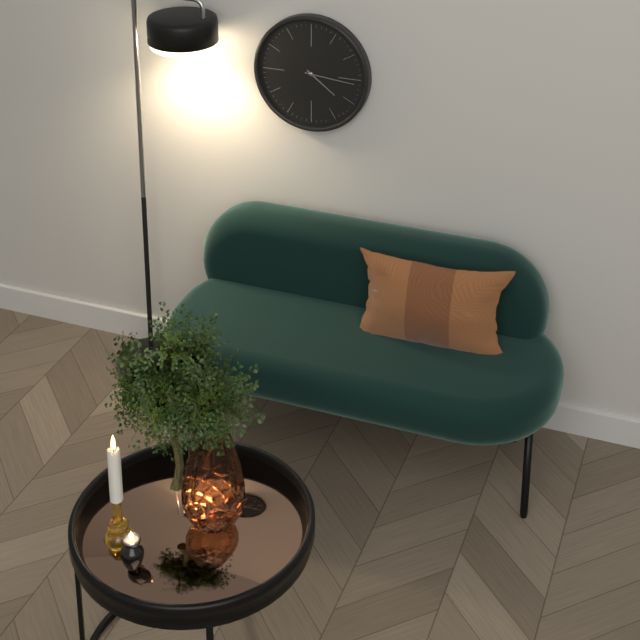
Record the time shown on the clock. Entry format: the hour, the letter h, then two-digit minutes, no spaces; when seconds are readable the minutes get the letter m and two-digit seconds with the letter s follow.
4h16
